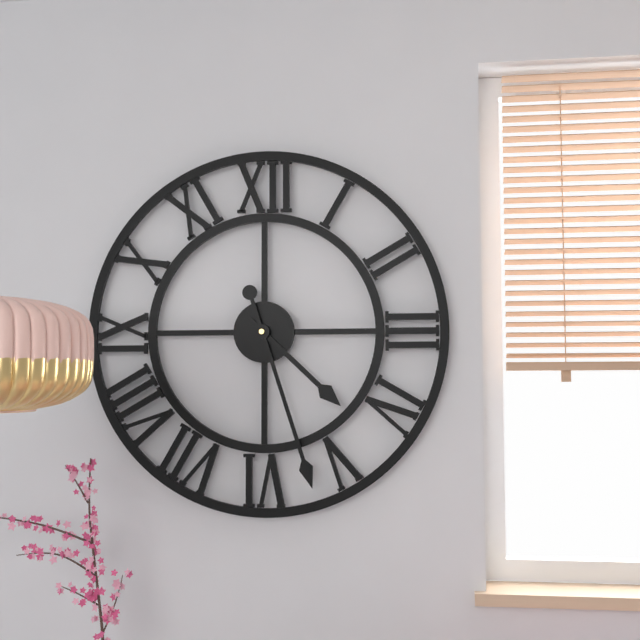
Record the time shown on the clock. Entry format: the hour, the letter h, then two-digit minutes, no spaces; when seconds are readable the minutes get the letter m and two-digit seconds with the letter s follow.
4h27
